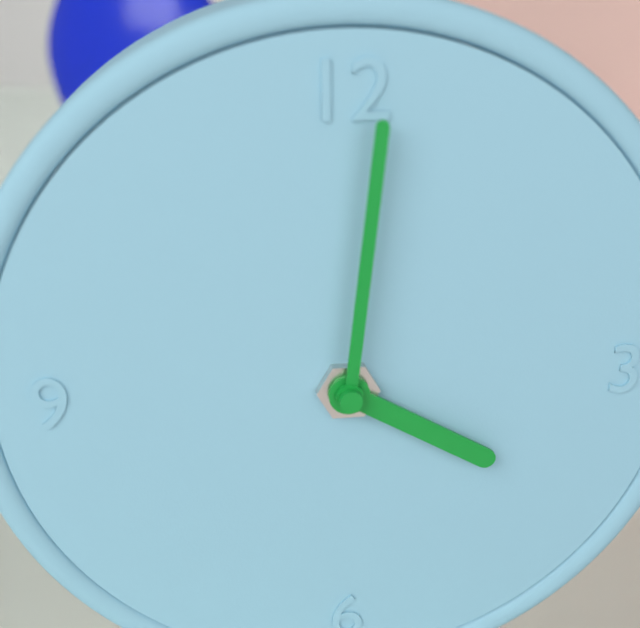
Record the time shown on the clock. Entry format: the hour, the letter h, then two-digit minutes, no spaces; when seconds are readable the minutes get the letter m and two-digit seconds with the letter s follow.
4h01
